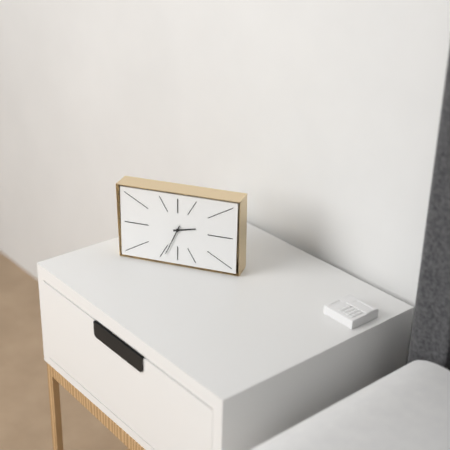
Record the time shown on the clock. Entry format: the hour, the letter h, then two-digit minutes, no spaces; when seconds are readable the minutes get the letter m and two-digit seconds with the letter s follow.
2h34
